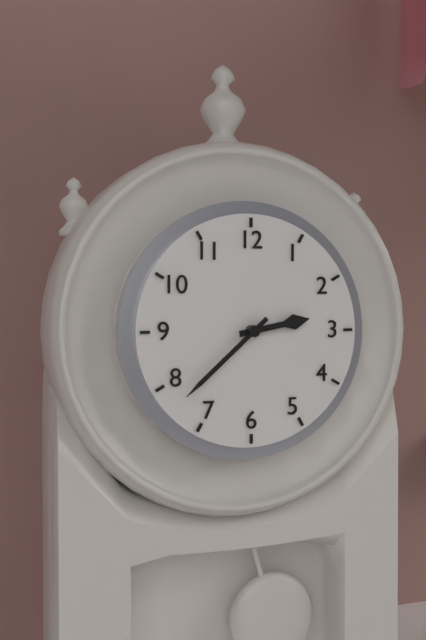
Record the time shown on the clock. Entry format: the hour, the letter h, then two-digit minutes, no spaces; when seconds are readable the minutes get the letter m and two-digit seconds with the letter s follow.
2h38
